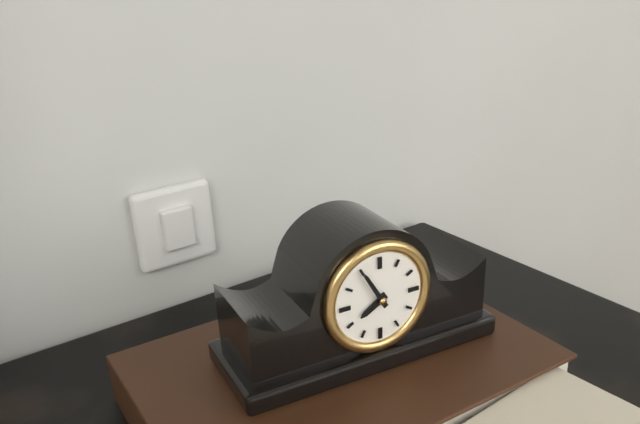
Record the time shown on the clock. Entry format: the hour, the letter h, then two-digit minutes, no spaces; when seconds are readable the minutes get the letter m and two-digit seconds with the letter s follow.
7h55
